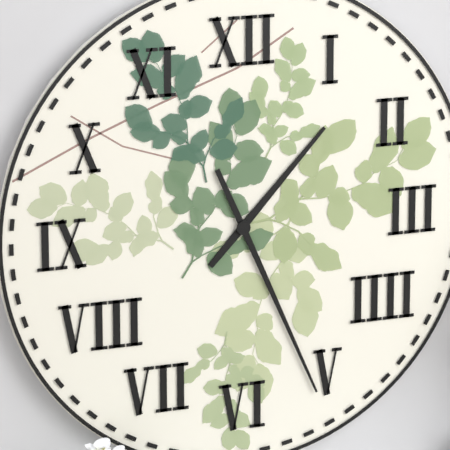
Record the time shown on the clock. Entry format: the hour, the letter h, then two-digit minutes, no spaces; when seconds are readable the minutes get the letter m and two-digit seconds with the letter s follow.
1h26
